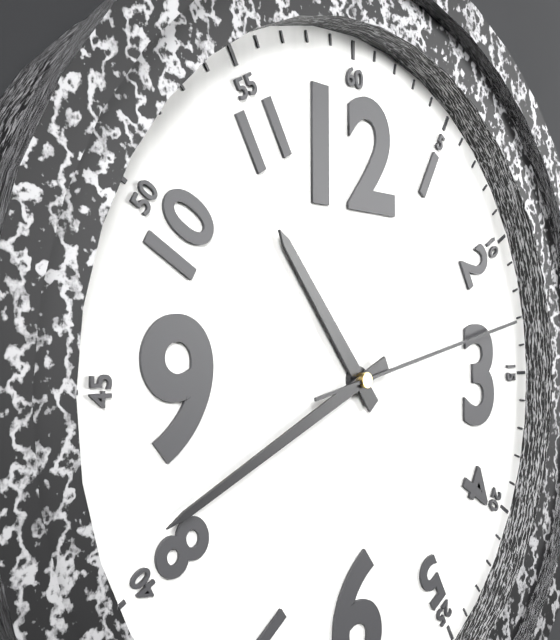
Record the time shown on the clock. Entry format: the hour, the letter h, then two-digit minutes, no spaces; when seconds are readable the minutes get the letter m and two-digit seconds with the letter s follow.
10h41m13s
